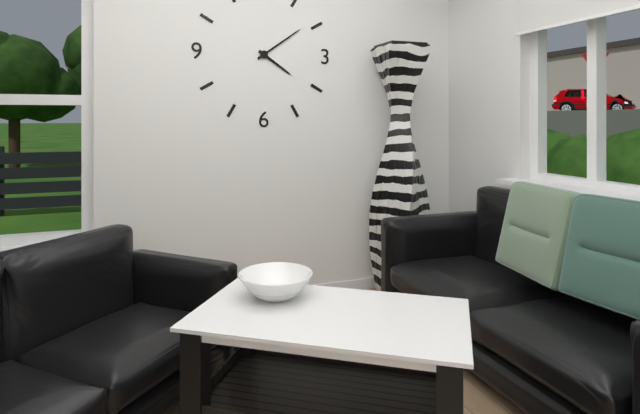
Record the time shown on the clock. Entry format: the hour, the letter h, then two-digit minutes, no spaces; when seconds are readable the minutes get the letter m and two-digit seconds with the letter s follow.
4h09
